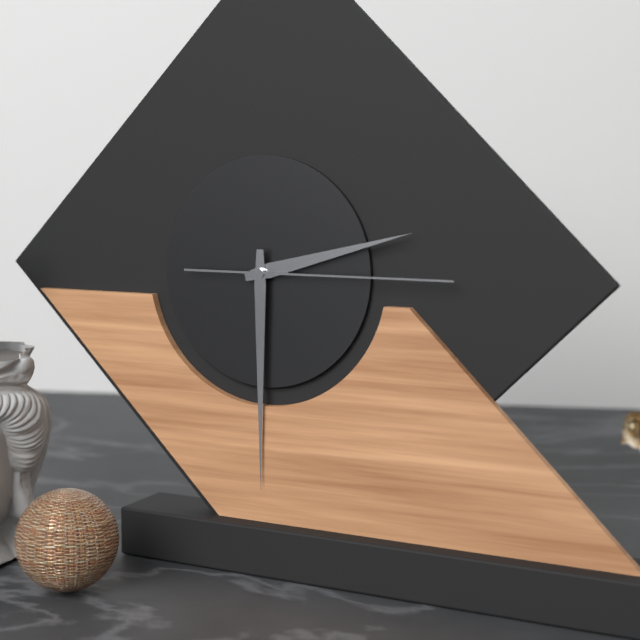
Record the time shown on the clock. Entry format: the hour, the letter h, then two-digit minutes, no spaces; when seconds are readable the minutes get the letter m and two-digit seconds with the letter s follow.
2h30m15s
